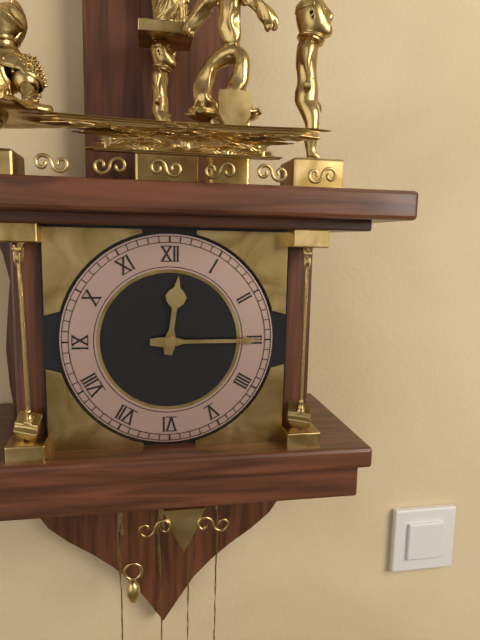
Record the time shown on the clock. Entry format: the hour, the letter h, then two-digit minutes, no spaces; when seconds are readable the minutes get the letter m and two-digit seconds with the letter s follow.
12h15
